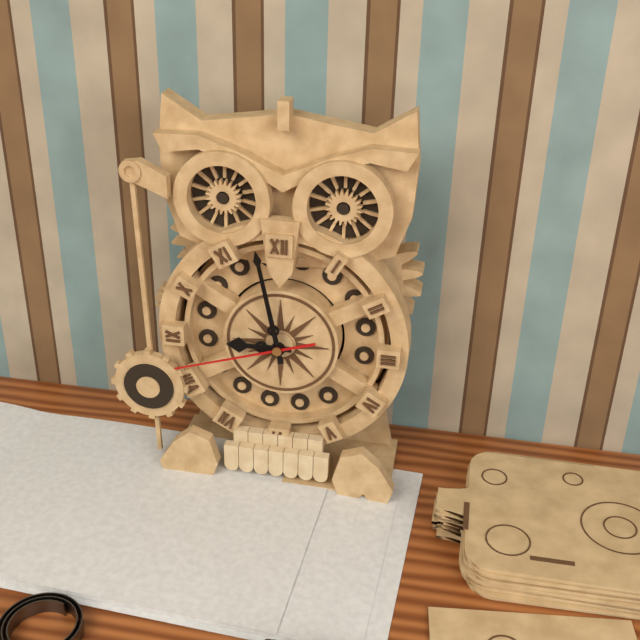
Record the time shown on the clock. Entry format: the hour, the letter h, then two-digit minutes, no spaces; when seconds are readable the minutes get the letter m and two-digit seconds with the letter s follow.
8h58m42s
